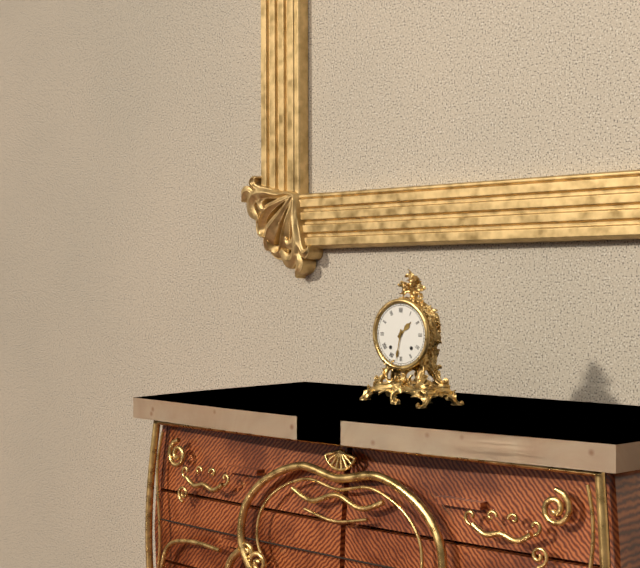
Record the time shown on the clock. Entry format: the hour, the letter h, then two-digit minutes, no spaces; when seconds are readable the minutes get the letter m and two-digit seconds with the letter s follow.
1h32
